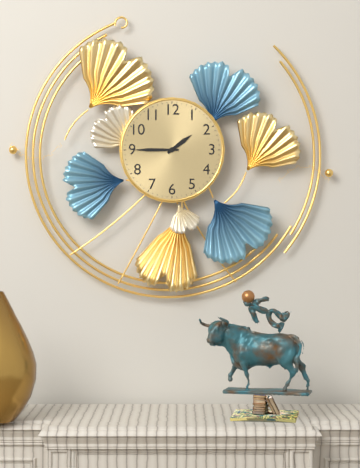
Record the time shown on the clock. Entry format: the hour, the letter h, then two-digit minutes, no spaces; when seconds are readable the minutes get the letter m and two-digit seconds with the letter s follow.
1h45
